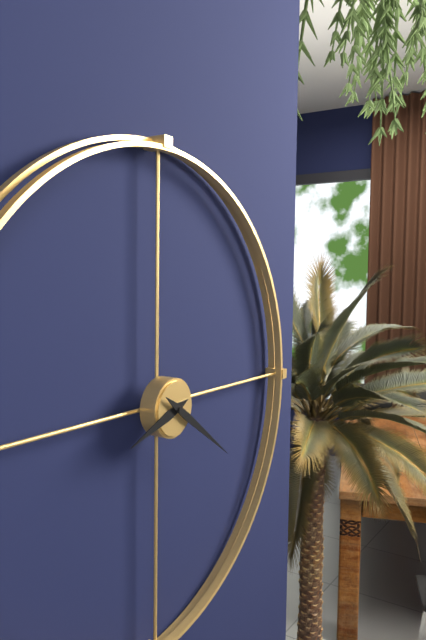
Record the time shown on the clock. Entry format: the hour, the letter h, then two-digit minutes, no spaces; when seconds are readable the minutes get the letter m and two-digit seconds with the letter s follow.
8h21
